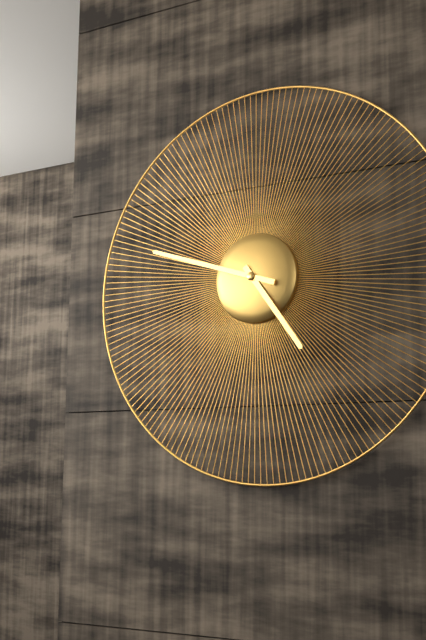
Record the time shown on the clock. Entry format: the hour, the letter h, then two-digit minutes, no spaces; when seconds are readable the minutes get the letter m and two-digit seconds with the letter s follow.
4h48
